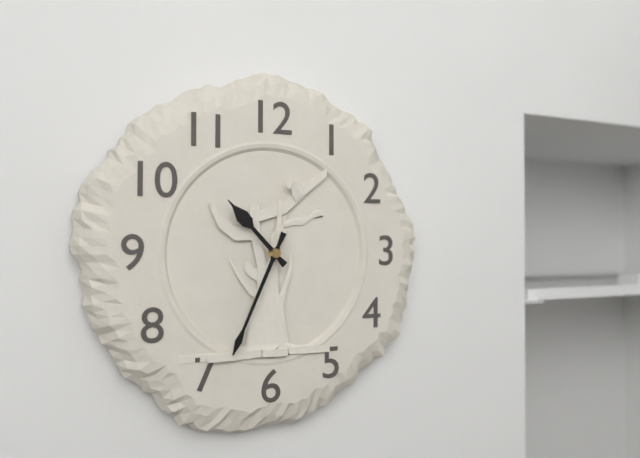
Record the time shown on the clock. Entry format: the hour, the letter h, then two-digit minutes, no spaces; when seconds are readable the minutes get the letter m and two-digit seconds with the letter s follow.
10h34
